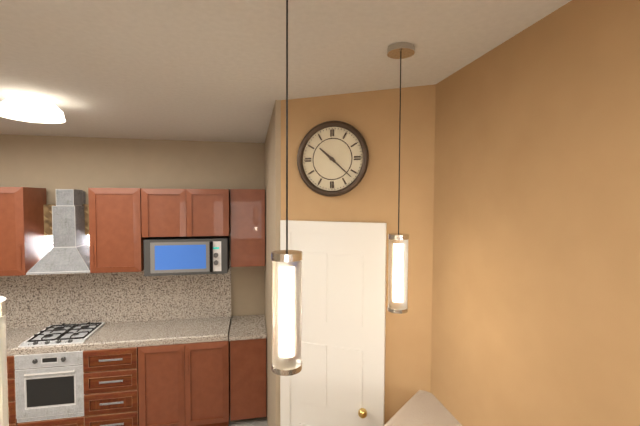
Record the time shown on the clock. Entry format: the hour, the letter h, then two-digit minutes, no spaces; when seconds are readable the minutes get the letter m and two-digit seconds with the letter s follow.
10h22
